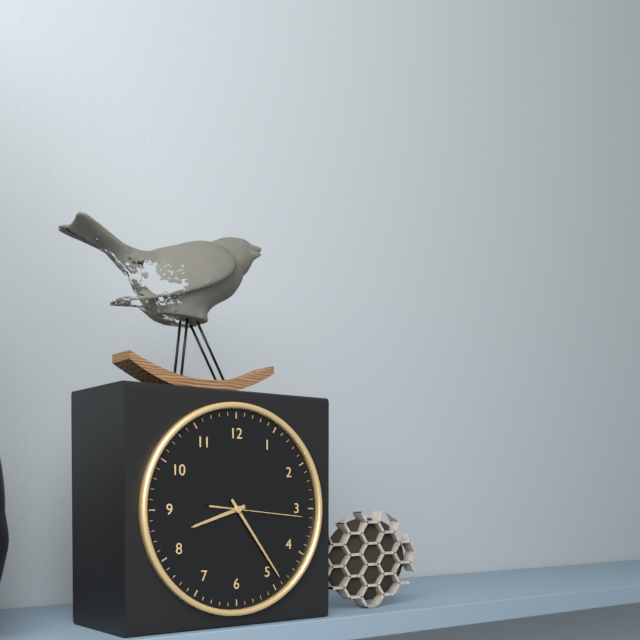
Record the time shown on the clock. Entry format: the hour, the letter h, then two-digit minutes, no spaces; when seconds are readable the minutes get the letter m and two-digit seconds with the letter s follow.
8h24m16s
